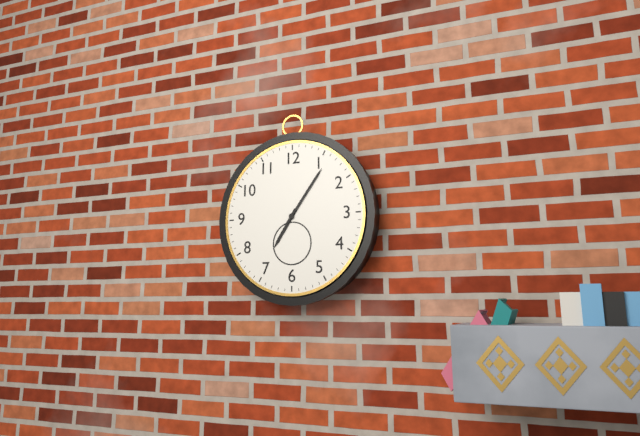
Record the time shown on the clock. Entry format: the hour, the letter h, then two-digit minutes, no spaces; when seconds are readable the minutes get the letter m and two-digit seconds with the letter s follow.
7h06
